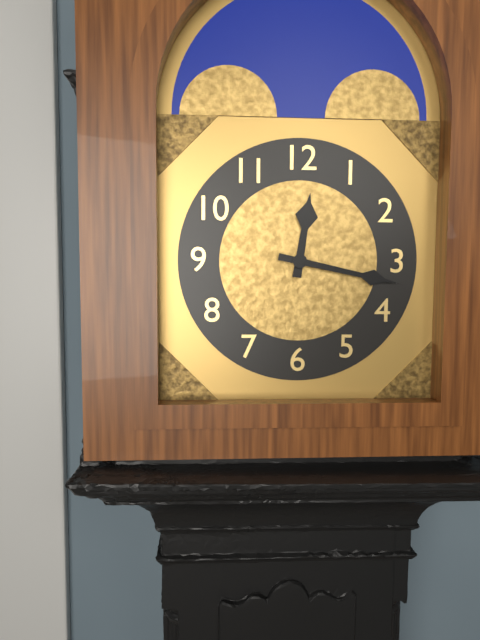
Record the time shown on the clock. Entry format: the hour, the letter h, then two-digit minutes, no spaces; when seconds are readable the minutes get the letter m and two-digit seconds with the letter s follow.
12h17
